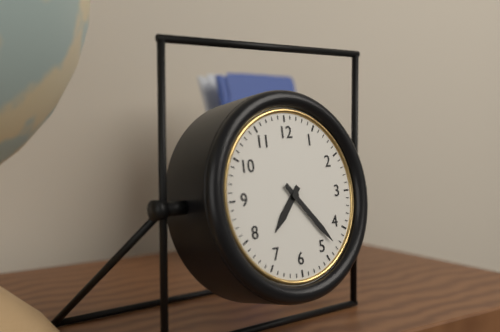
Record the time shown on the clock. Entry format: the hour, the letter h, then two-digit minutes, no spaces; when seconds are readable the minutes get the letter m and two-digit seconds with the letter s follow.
7h23
